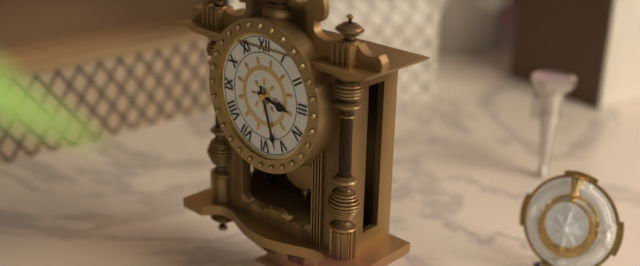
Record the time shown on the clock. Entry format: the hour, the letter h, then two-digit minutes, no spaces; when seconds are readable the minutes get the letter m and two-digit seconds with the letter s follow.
3h27
